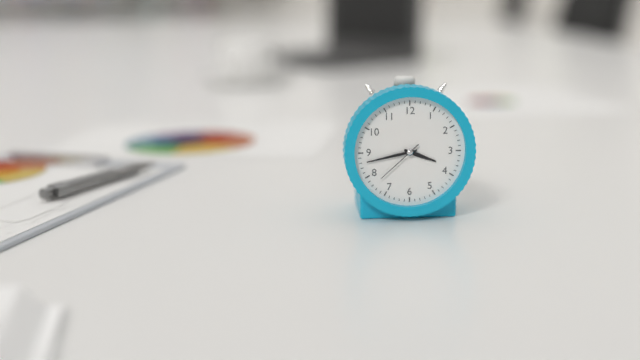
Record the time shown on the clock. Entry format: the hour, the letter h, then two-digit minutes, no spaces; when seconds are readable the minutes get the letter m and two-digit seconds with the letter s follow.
3h43
